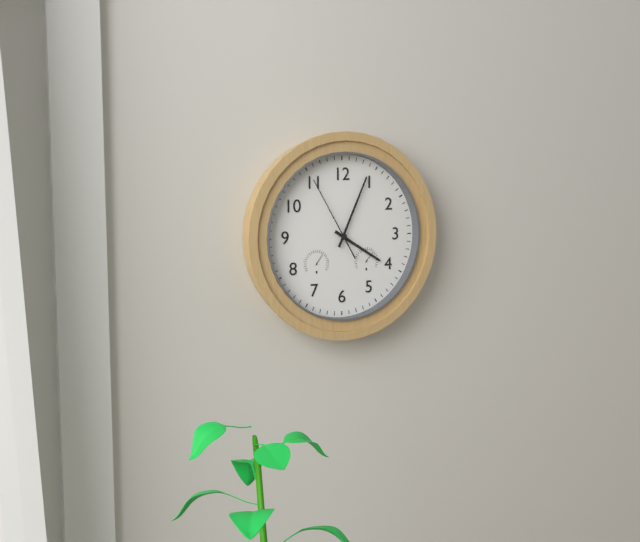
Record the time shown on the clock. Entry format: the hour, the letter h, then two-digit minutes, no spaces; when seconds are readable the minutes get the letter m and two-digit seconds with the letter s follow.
4h04m55s
